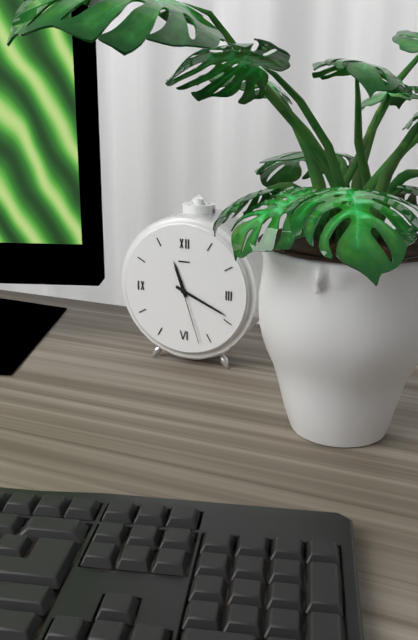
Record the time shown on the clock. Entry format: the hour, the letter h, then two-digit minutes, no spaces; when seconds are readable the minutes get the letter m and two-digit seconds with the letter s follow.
11h19m27s
